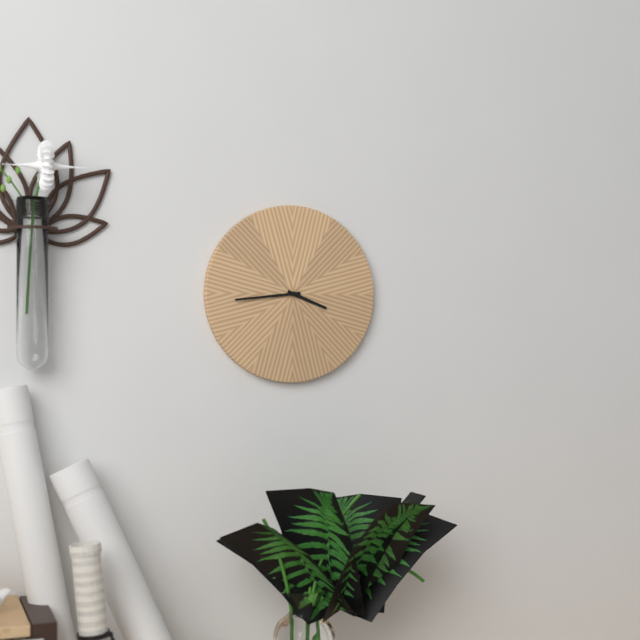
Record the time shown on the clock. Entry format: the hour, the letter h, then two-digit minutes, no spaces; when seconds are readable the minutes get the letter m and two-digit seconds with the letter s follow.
3h44
